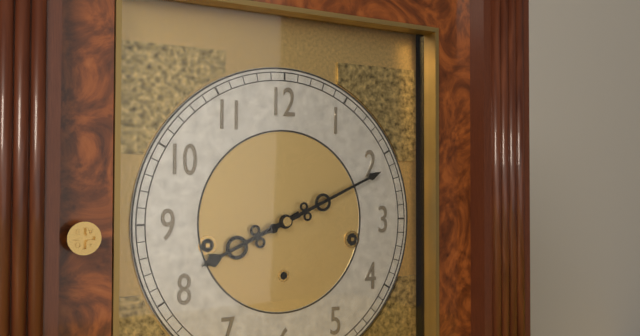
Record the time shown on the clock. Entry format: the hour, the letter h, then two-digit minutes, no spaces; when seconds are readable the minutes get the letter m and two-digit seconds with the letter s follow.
8h11
